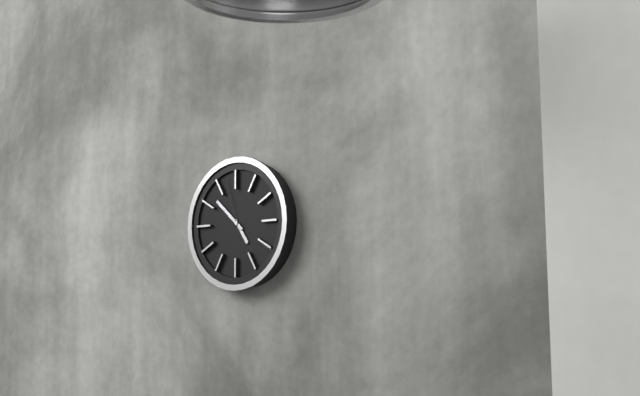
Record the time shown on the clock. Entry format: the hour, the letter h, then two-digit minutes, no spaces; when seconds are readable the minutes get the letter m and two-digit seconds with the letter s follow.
4h52m57s
